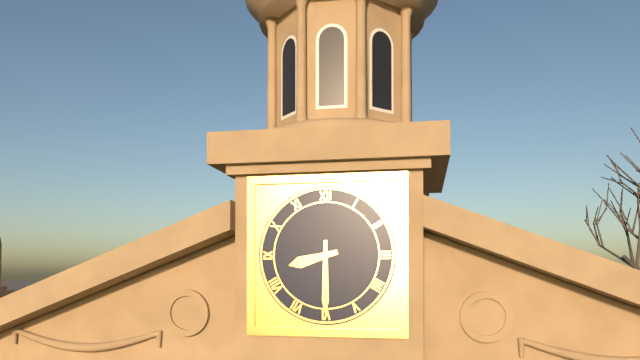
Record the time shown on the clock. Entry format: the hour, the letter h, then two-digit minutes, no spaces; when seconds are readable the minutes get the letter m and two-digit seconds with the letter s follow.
8h30
